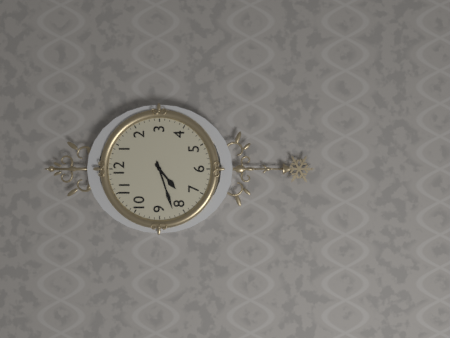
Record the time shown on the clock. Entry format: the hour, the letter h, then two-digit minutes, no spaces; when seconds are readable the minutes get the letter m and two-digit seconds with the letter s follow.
7h42
